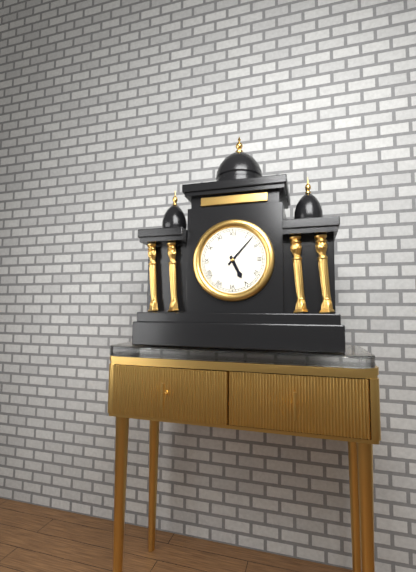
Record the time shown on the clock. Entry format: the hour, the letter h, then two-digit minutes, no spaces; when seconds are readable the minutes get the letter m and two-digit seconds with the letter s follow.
5h07
